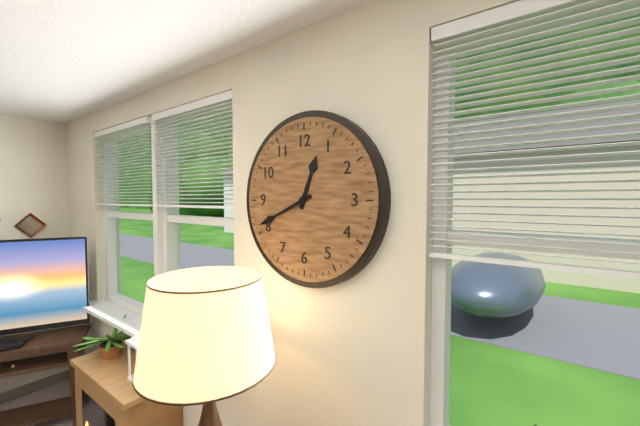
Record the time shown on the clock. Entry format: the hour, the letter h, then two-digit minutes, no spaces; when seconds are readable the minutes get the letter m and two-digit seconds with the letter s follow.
12h41
